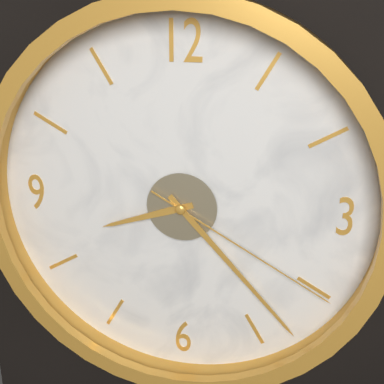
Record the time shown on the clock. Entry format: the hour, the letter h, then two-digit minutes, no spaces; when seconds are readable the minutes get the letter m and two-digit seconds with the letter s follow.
8h23m20s
